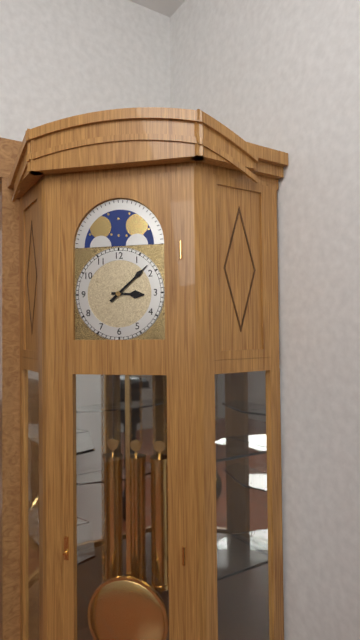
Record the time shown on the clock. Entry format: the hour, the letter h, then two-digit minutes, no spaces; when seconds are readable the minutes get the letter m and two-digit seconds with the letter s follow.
3h08
